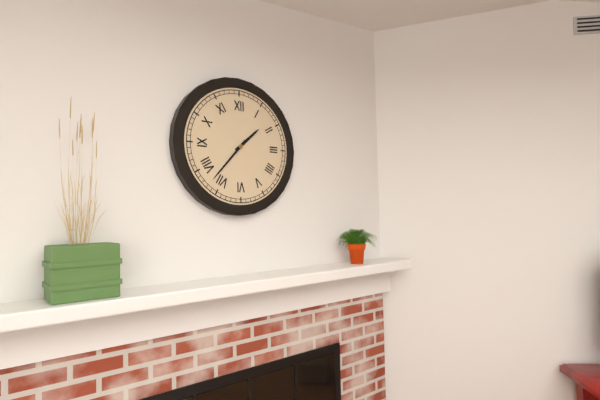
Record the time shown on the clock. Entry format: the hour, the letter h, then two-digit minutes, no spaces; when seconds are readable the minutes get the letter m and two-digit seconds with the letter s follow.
1h37
